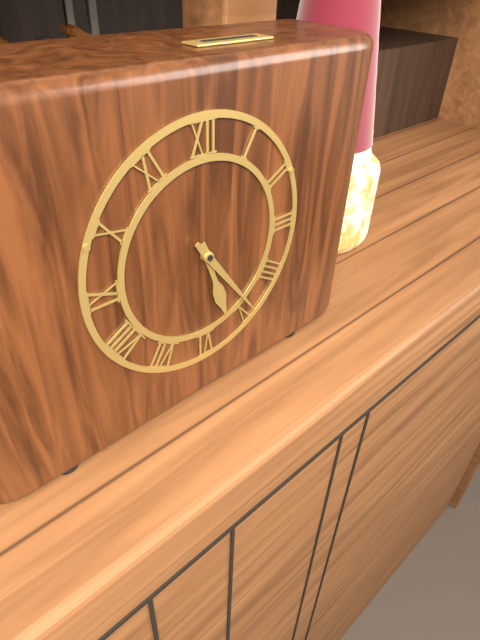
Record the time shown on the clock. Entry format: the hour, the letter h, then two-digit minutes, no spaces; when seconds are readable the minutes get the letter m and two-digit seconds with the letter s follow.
5h24
